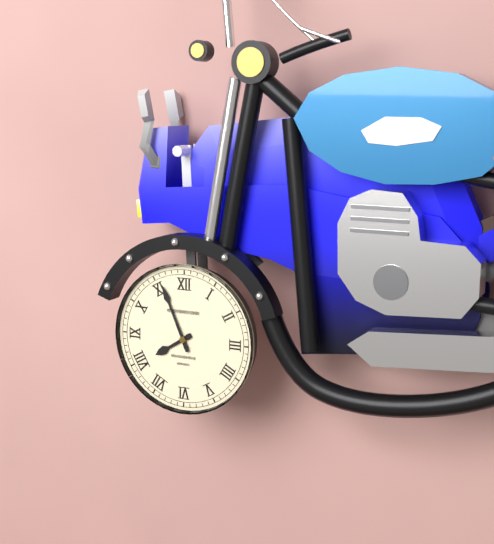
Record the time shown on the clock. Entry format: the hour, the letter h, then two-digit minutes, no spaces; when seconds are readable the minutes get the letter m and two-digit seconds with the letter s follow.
7h56
